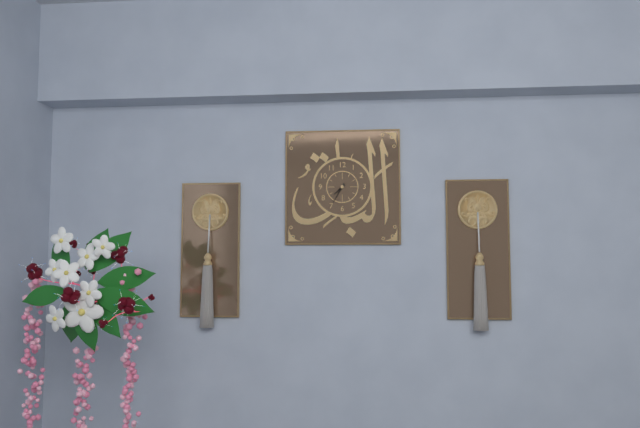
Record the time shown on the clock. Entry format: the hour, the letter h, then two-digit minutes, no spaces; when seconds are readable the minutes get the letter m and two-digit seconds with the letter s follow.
7h35
